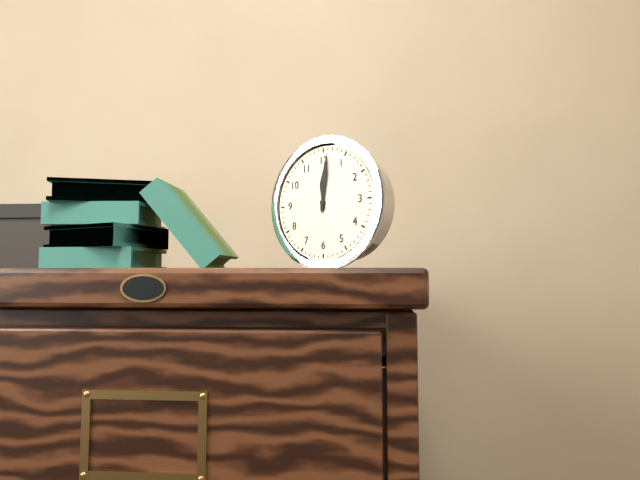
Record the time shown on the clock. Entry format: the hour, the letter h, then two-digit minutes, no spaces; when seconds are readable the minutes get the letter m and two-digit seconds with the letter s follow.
12h01
